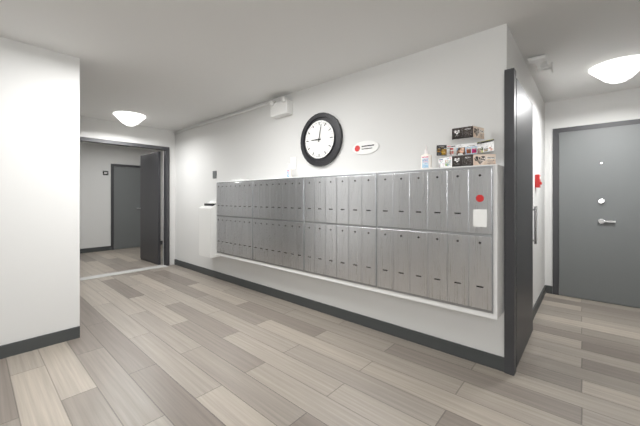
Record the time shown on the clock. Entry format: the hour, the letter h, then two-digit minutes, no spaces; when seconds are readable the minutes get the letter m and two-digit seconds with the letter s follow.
9h02
